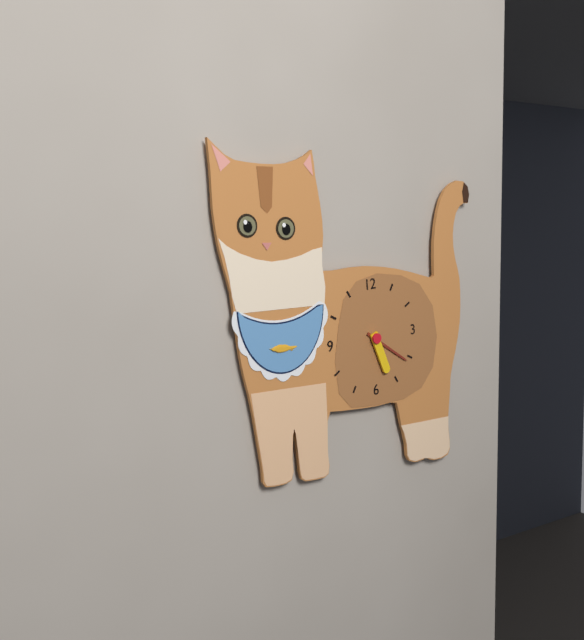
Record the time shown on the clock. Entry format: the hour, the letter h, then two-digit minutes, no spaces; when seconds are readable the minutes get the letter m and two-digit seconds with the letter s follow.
5h21
